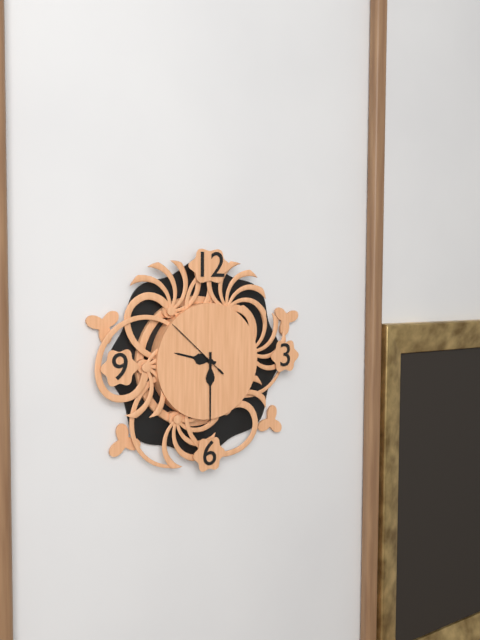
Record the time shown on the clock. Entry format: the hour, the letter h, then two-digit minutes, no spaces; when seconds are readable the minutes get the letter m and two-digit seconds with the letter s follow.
9h30m52s
